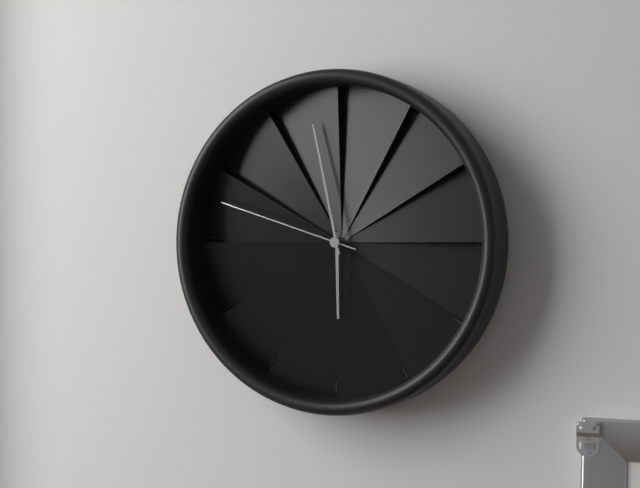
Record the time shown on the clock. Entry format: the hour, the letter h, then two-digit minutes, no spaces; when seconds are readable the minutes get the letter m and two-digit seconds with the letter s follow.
5h58m48s
